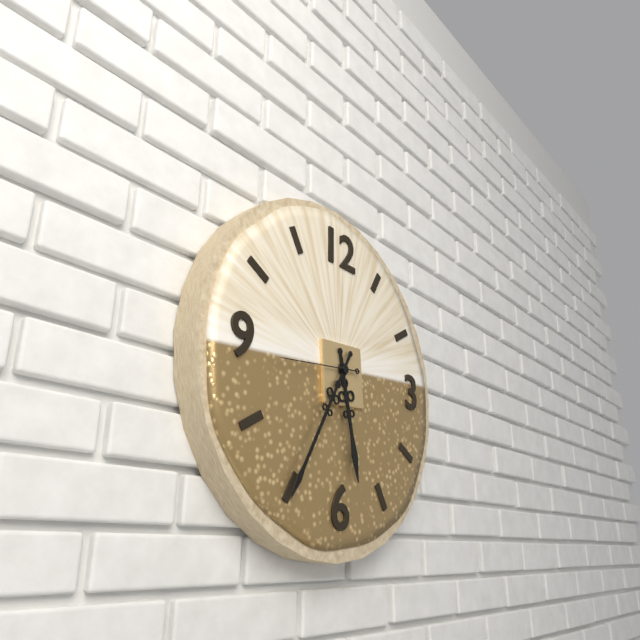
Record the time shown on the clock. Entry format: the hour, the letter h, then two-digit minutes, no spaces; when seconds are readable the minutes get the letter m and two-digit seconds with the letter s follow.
5h35m44s
